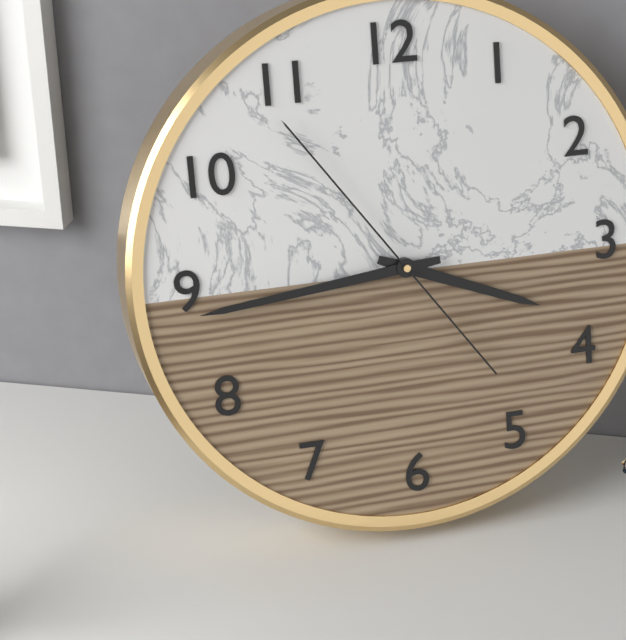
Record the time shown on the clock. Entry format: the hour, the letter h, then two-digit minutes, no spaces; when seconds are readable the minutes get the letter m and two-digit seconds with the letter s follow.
3h44m54s
